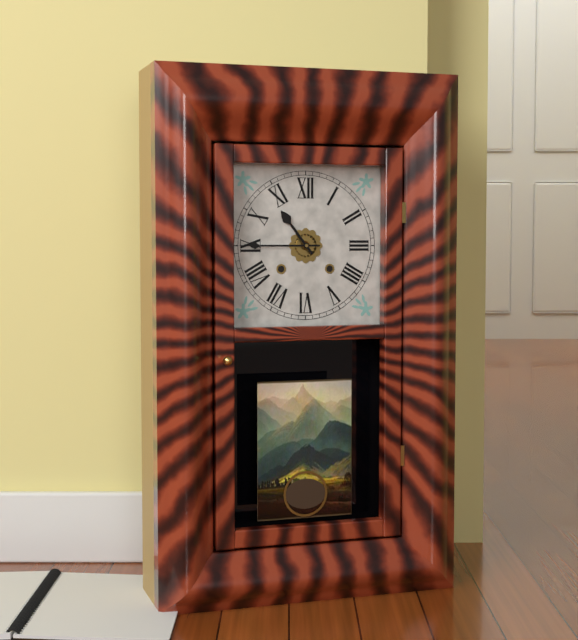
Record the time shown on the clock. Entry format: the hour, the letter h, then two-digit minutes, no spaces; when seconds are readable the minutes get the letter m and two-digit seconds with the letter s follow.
10h45
